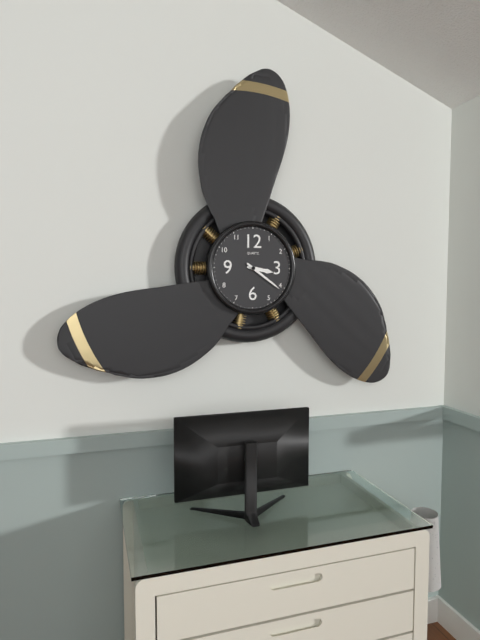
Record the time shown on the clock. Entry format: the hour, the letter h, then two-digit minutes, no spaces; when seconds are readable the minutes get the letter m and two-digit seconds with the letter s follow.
3h21
